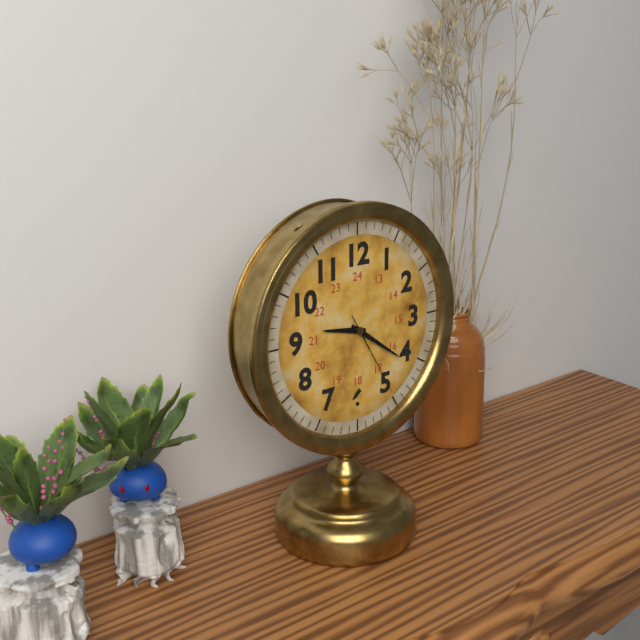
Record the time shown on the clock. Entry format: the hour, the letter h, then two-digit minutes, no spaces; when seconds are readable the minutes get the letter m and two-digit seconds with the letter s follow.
9h21m25s
